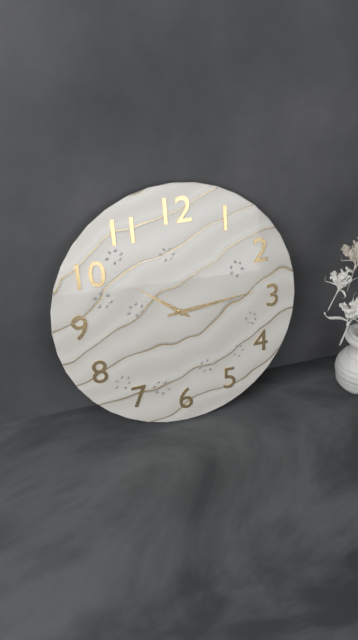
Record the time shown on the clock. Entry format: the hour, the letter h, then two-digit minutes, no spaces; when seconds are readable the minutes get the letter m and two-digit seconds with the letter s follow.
10h14
